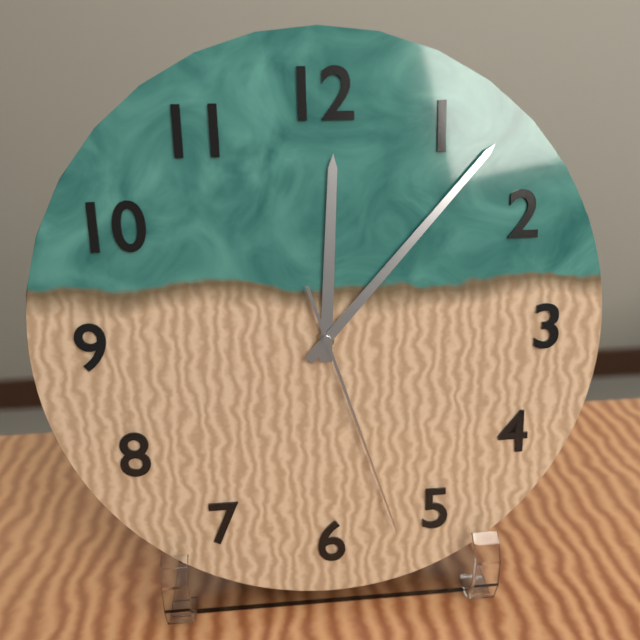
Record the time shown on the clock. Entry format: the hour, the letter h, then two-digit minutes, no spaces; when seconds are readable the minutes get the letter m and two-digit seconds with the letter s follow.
12h07m27s
